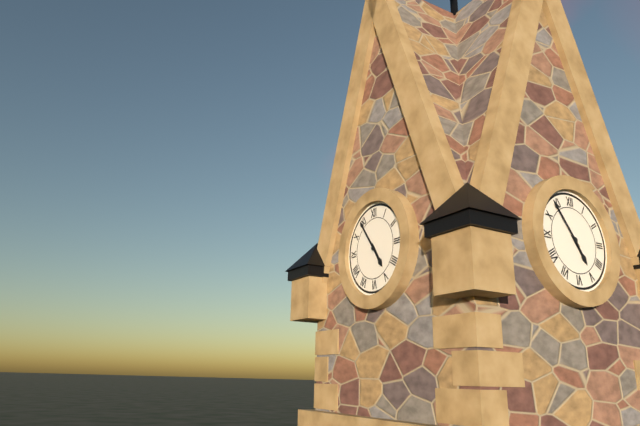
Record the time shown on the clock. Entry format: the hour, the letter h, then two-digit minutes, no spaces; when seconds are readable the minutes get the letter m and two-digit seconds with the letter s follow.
4h54
